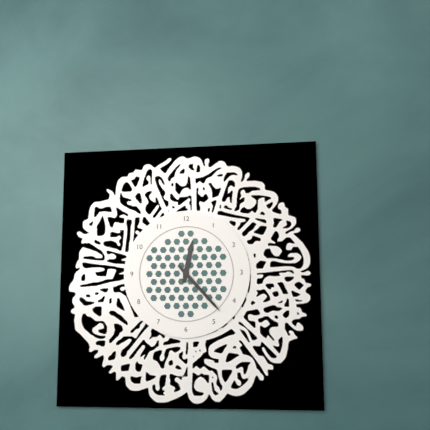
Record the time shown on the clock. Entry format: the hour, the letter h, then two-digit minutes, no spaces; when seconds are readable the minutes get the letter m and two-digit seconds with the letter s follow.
12h23
